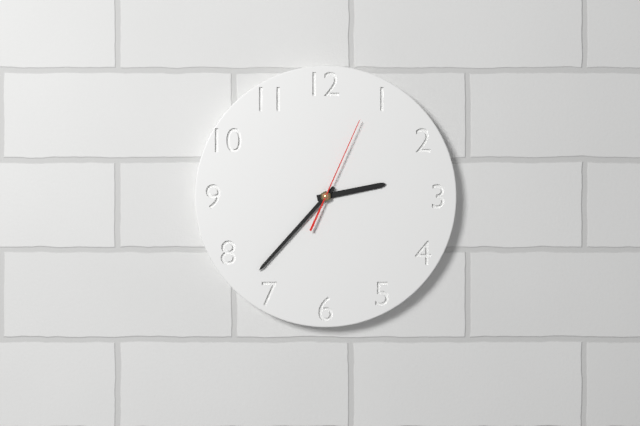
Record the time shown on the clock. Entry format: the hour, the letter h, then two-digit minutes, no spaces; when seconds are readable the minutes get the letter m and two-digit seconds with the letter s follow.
2h37m04s
